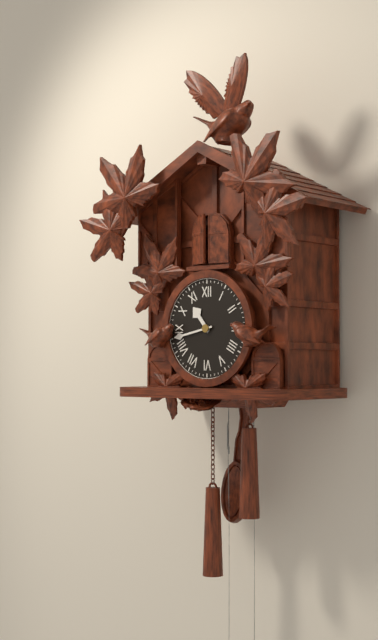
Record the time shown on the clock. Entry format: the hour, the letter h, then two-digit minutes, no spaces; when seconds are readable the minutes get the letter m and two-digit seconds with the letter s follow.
10h43
